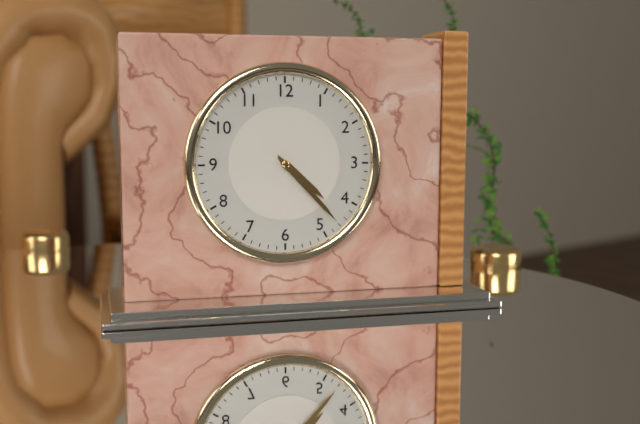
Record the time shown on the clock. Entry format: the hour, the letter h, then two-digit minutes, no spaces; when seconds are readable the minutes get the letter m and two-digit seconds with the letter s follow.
4h23
